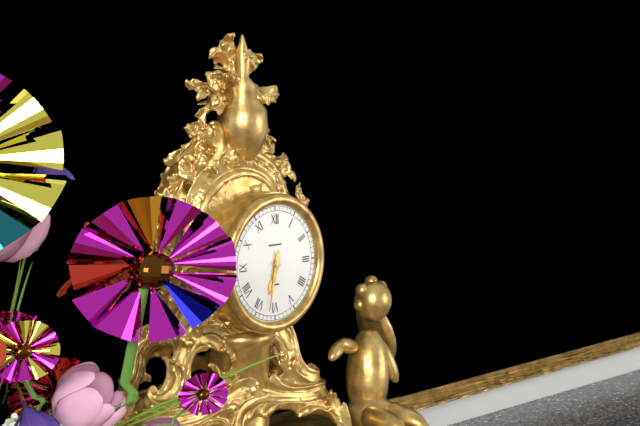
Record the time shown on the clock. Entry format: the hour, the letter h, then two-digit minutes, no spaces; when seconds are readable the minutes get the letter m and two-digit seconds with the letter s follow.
6h32
